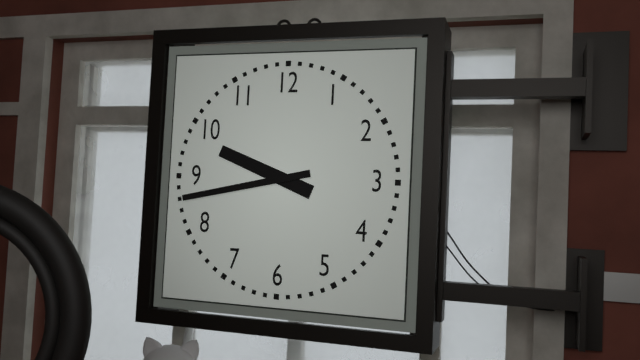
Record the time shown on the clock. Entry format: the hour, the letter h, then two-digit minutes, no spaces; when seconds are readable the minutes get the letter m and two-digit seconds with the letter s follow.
9h43
